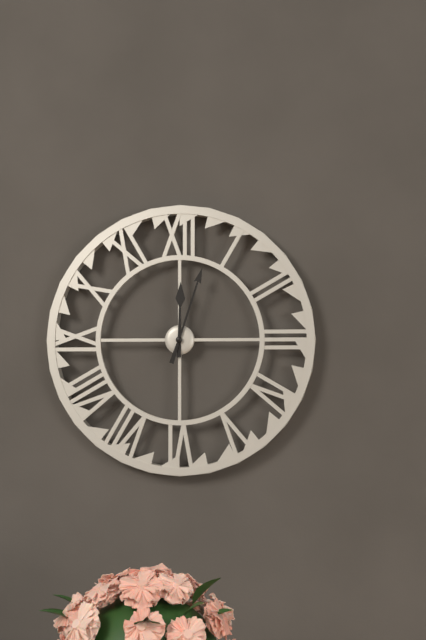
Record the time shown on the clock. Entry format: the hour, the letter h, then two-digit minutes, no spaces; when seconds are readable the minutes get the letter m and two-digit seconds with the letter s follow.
12h03
